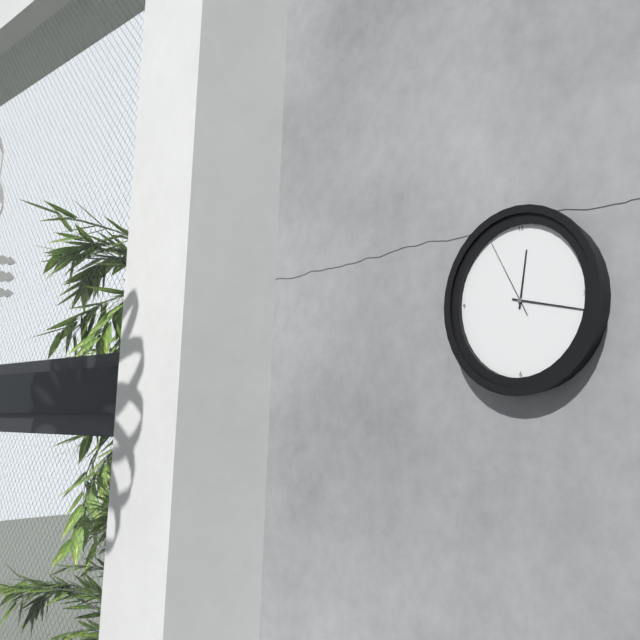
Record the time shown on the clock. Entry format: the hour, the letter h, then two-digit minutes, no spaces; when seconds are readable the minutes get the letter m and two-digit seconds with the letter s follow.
12h17m55s
